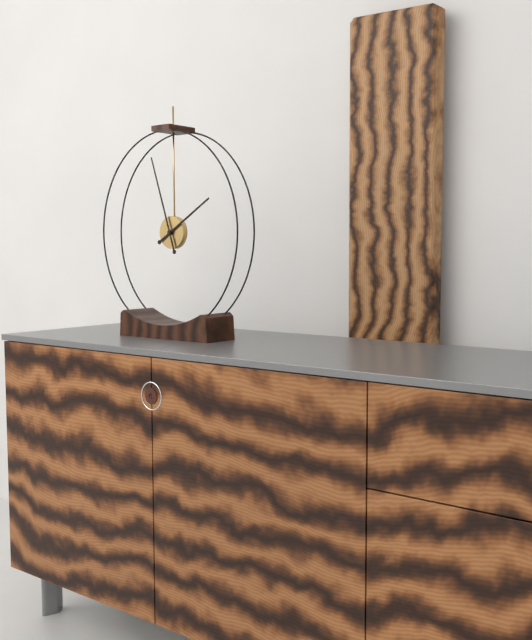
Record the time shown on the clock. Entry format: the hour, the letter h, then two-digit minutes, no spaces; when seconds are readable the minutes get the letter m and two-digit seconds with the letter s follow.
1h57
